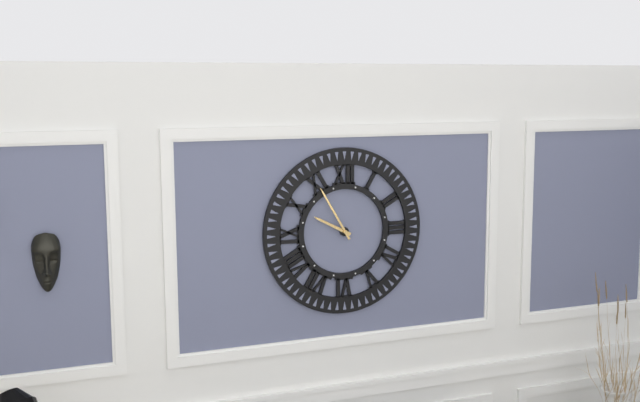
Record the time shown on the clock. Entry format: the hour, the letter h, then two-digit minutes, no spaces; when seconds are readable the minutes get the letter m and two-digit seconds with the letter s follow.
9h55
